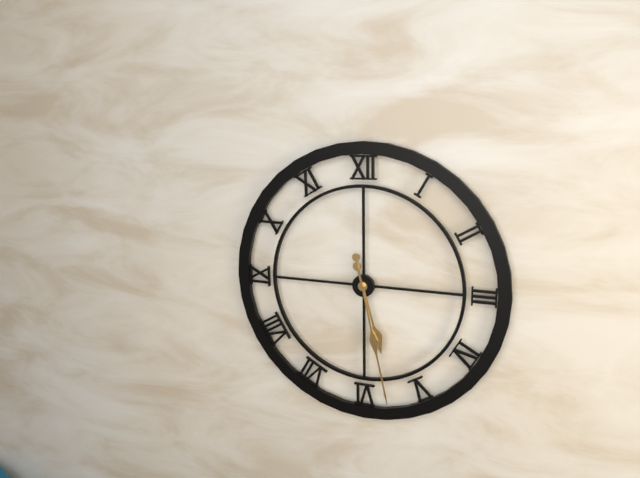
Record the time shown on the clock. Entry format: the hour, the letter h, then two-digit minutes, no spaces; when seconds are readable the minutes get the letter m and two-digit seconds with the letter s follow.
5h28
